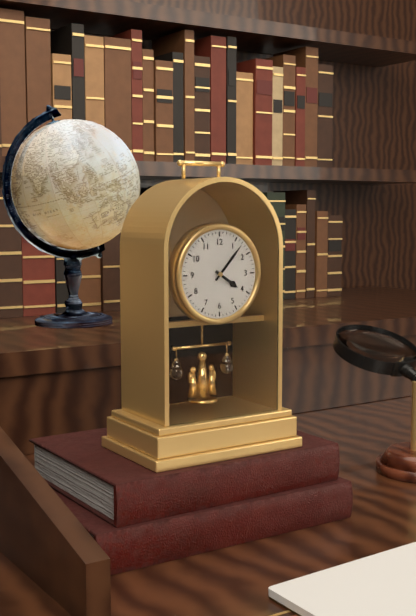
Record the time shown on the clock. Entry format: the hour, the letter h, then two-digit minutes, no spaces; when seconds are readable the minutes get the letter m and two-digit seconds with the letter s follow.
4h07
